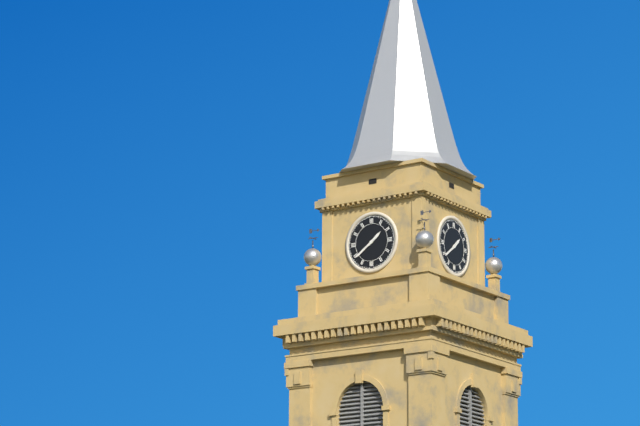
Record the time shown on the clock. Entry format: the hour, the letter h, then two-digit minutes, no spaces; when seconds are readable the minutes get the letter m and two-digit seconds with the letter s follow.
1h39
